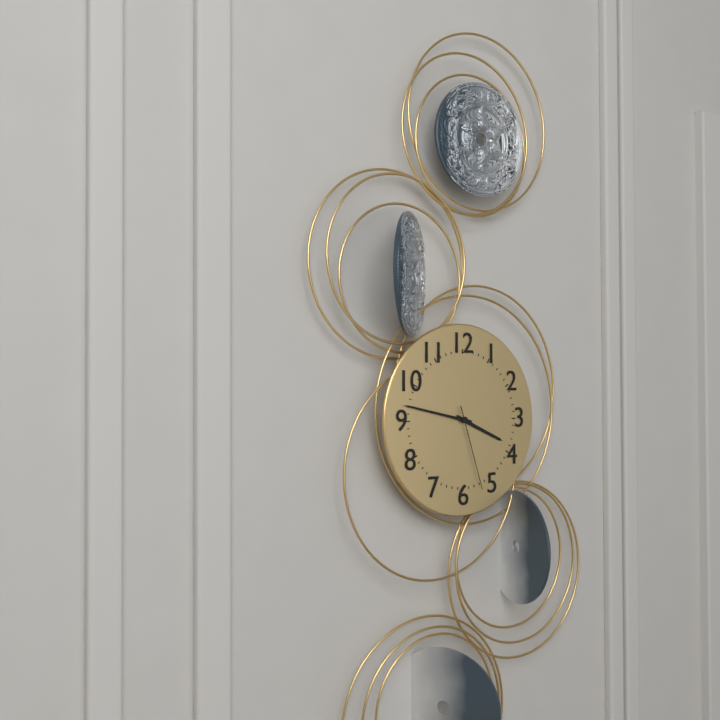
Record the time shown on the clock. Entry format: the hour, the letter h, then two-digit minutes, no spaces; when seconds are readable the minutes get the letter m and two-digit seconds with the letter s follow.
3h47m27s
